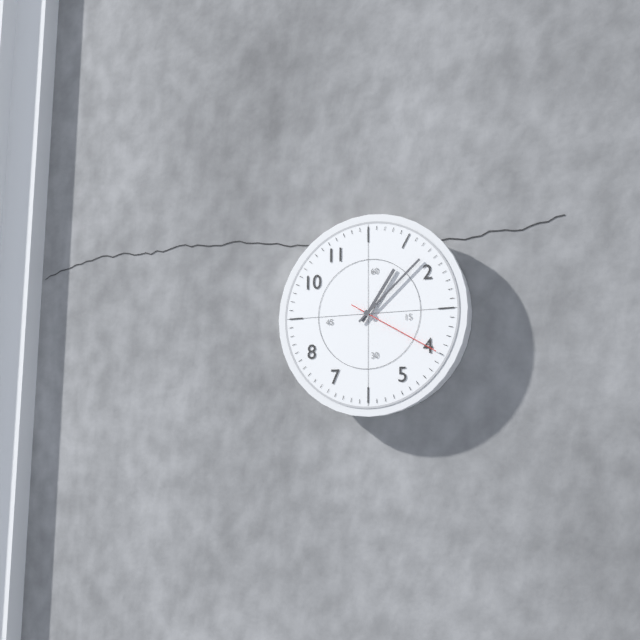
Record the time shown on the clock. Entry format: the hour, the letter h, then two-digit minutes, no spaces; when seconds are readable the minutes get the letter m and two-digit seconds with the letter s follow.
1h08m20s
